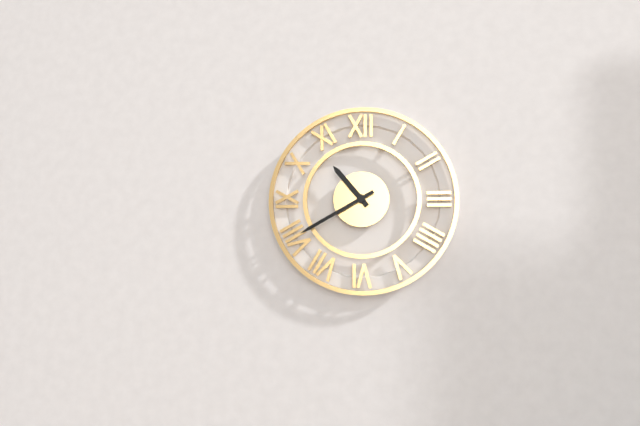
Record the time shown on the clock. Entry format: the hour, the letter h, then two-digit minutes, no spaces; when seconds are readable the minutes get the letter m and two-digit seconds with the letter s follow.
10h40
